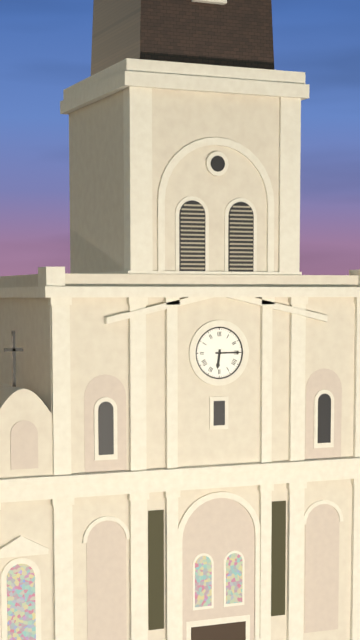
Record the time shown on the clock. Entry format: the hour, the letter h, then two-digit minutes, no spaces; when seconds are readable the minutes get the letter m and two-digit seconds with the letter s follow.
6h15
